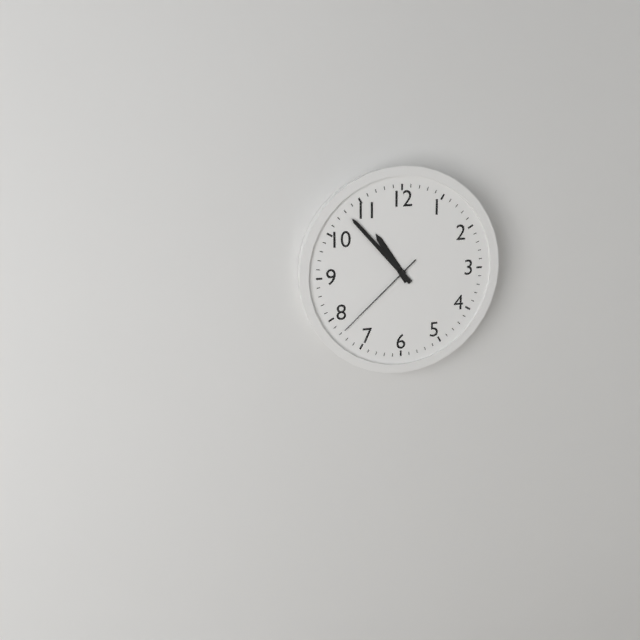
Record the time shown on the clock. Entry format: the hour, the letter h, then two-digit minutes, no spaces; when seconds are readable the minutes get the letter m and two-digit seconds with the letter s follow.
10h53m38s
